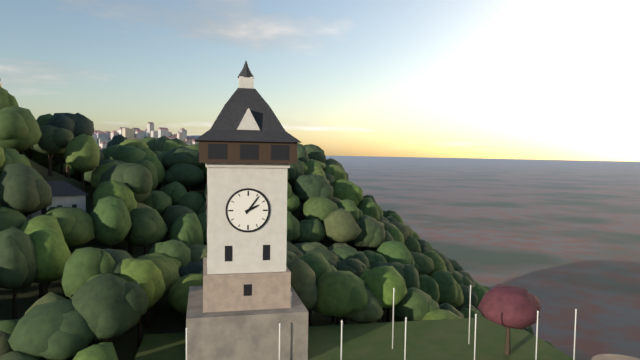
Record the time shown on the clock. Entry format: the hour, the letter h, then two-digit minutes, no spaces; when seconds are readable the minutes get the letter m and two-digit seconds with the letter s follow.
2h06
